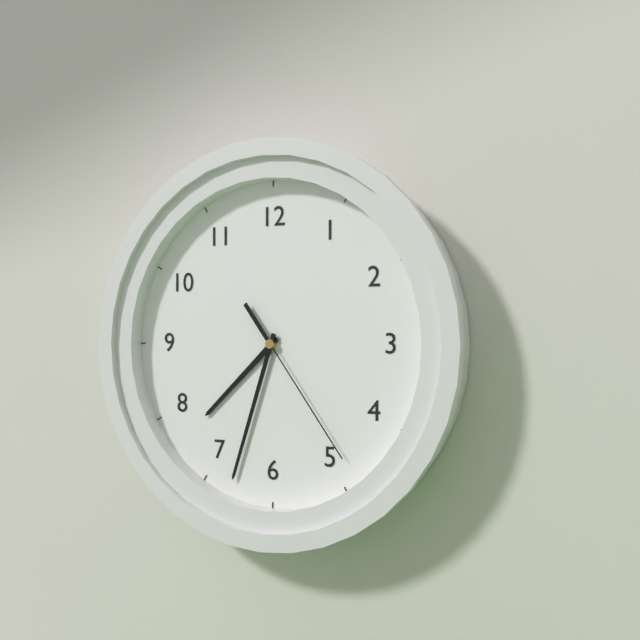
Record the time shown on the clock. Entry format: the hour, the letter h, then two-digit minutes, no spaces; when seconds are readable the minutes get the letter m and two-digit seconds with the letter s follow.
7h33m24s
